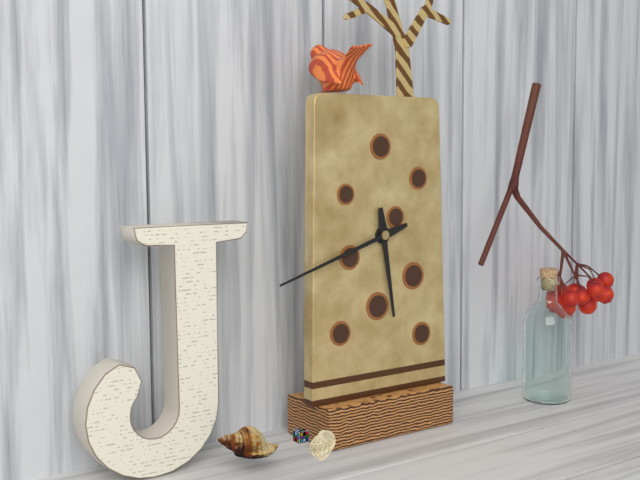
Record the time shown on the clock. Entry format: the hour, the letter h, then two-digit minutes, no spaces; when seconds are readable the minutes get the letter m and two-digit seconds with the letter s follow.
5h42
